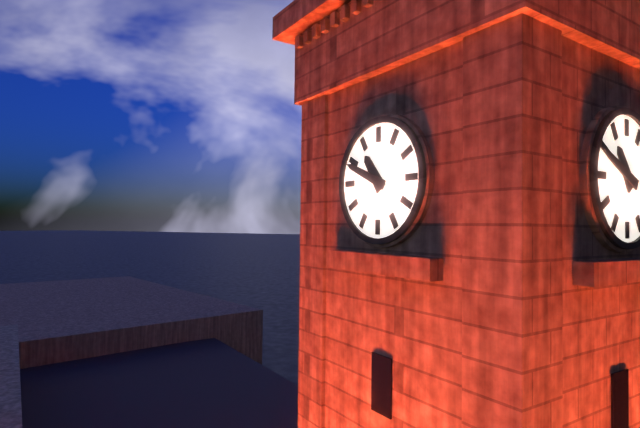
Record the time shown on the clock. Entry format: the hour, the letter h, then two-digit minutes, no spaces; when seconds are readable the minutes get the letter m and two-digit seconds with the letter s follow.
10h49
